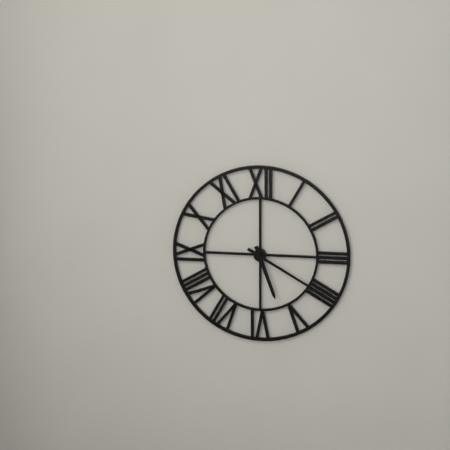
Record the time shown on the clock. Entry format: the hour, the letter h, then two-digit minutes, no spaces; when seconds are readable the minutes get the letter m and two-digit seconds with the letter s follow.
5h20
